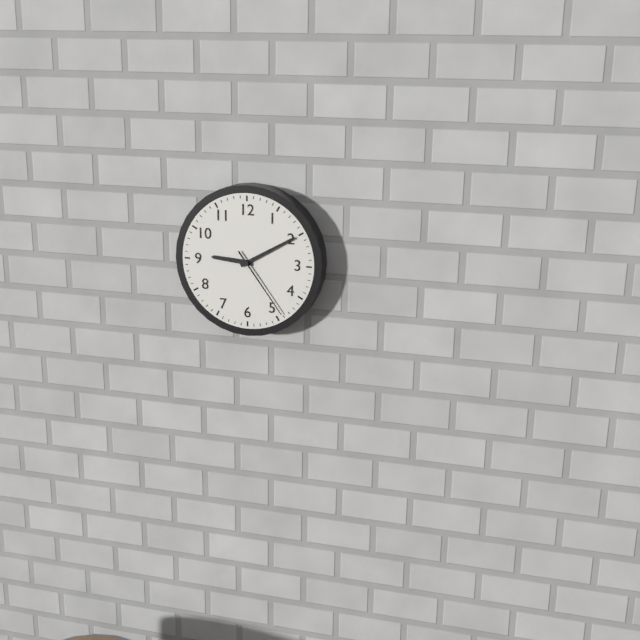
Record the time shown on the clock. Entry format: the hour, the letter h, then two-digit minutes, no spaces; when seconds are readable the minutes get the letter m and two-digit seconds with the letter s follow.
9h10m24s
